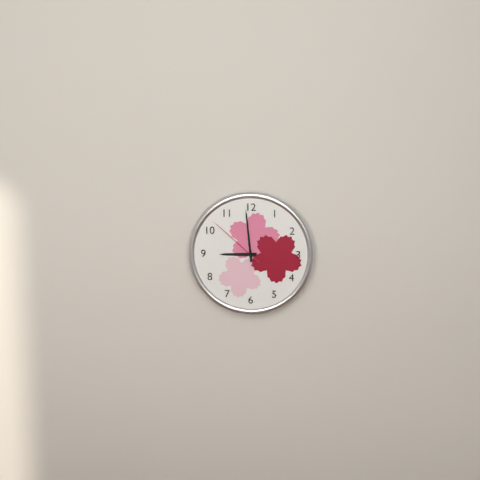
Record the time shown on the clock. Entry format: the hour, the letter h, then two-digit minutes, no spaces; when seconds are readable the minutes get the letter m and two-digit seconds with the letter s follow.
8h59m52s
